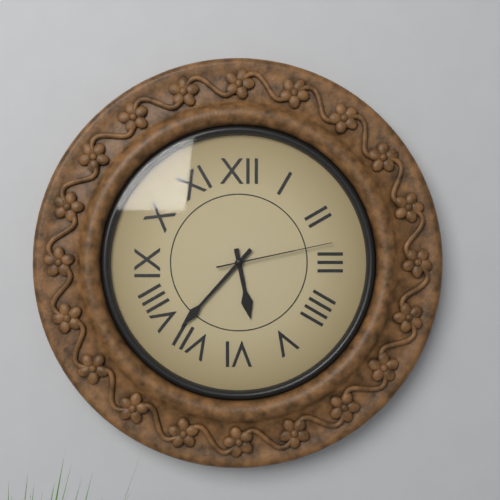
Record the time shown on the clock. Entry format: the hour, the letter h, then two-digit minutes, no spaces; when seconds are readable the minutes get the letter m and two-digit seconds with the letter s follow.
5h37m13s
